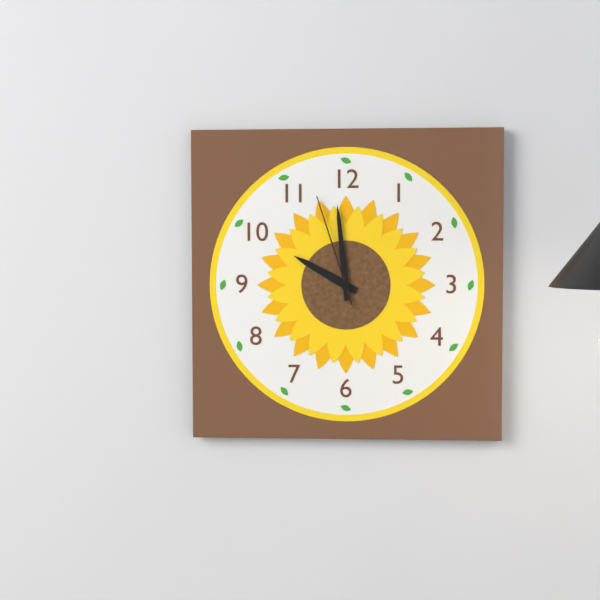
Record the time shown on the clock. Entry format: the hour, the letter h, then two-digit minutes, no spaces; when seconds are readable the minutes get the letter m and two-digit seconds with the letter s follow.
9h59m57s
